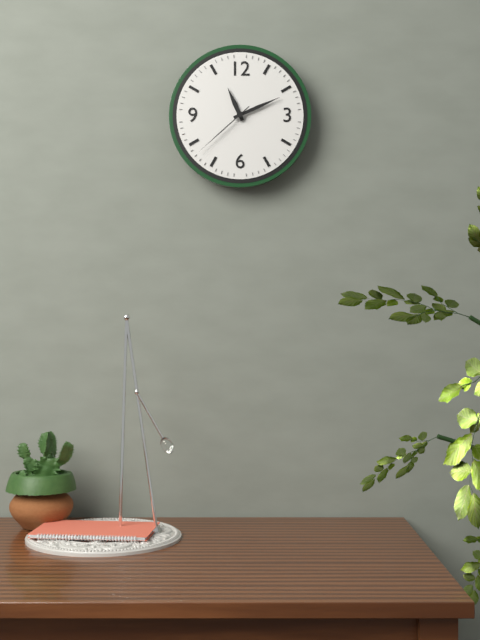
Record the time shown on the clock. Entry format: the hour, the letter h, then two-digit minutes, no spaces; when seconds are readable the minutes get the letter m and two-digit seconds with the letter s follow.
11h11m38s
